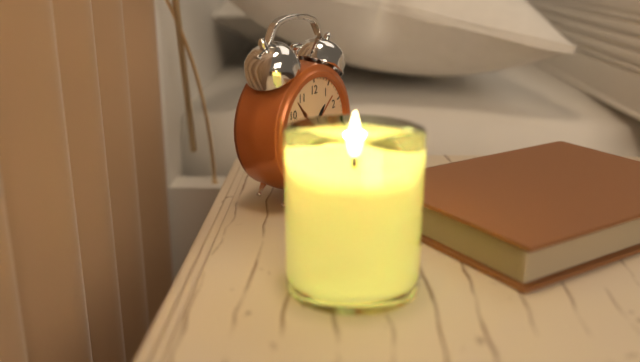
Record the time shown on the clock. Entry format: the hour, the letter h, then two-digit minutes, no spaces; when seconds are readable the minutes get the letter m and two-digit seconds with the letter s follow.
1h18m35s
